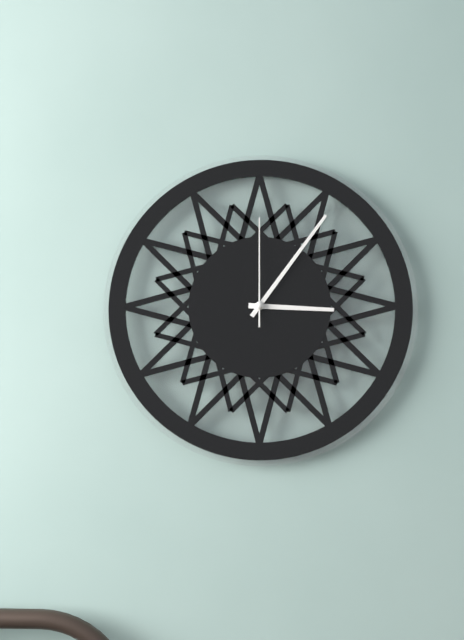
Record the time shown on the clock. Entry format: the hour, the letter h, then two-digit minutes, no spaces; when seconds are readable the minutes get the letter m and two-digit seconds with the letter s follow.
3h06m00s
